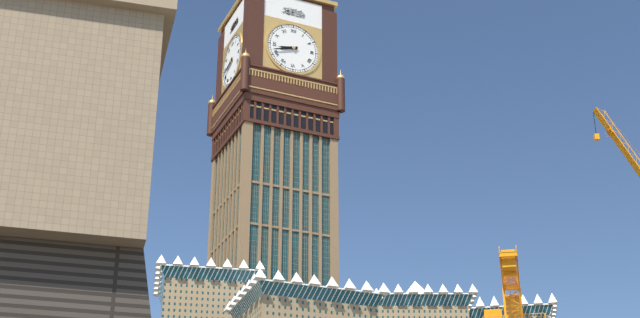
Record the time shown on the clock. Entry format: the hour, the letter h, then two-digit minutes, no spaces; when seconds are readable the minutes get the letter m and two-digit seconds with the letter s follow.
8h42
